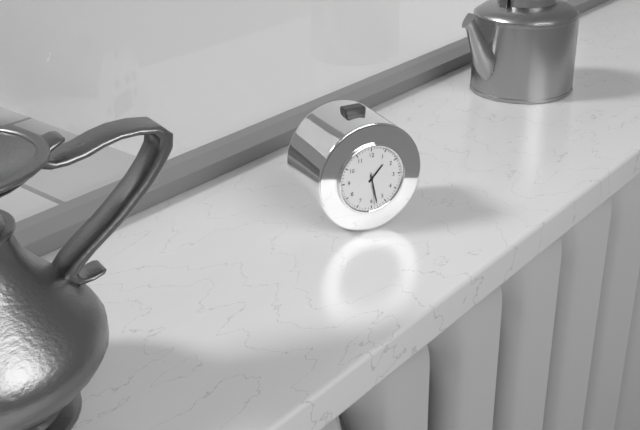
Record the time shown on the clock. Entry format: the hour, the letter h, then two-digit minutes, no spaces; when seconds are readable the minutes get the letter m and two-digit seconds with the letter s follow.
1h28
